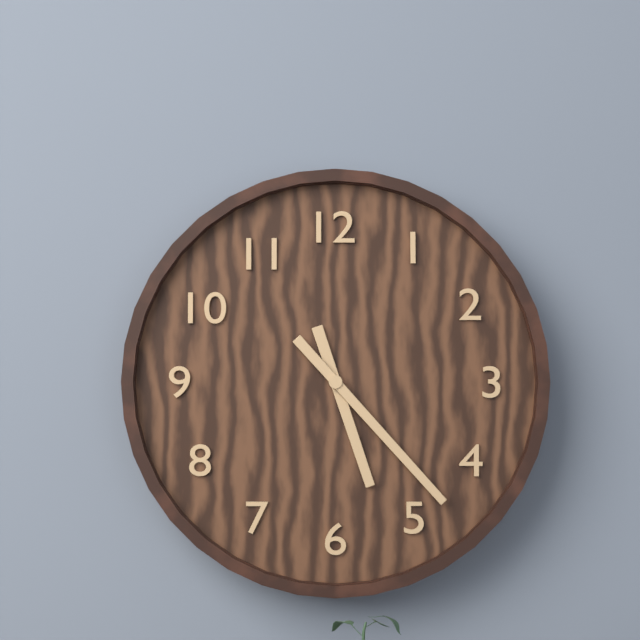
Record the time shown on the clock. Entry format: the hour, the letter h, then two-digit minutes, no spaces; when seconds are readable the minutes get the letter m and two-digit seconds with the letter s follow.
5h23
